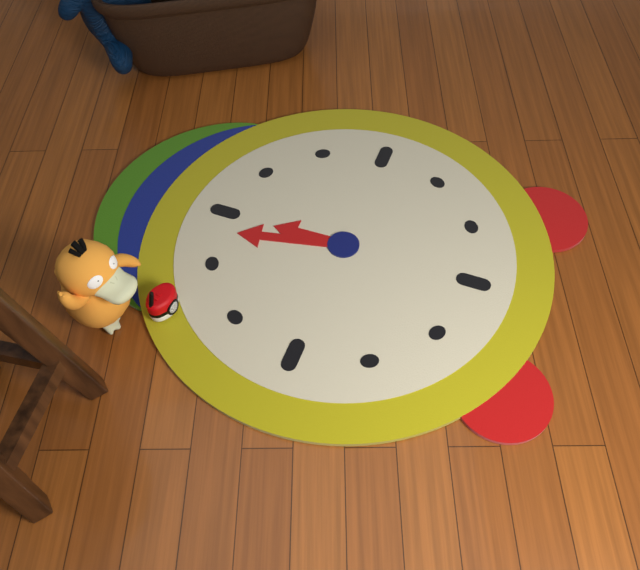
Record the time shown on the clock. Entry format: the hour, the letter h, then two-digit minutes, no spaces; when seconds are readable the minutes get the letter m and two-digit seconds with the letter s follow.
11h58
